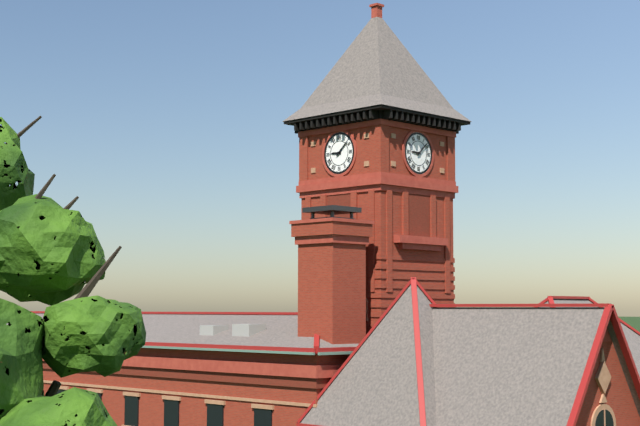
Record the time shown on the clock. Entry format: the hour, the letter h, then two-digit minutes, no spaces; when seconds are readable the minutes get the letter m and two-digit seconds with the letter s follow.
9h08
